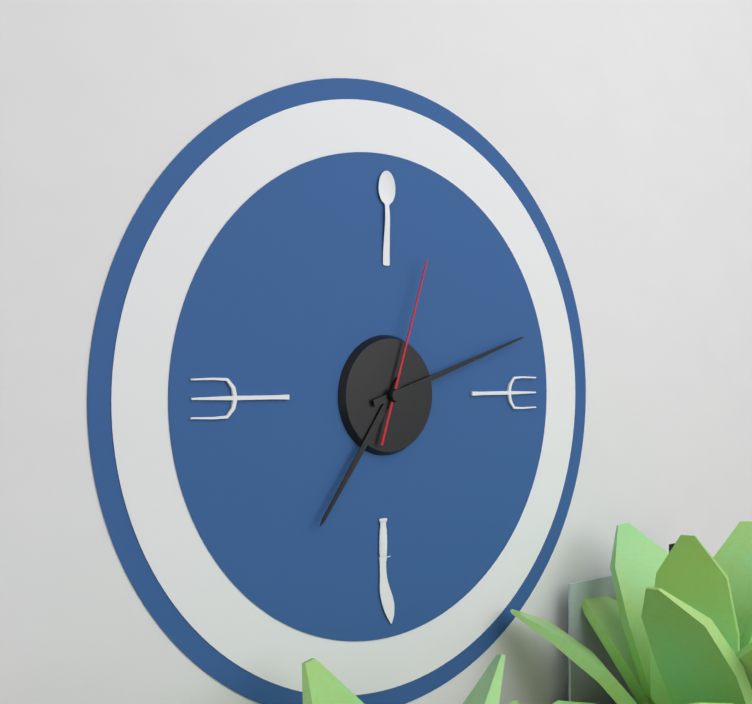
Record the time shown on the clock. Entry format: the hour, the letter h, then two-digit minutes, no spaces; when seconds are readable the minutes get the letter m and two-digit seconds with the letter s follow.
7h12m03s
